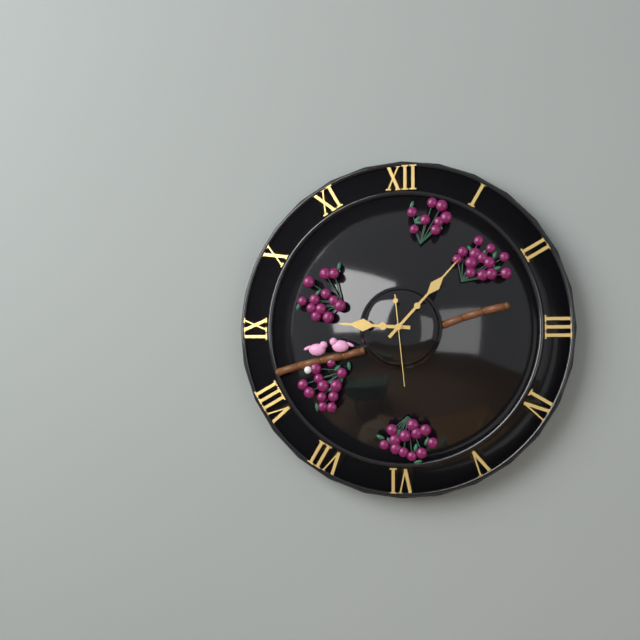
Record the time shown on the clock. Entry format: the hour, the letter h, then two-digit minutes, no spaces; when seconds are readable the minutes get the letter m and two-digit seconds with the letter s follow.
9h07m29s
